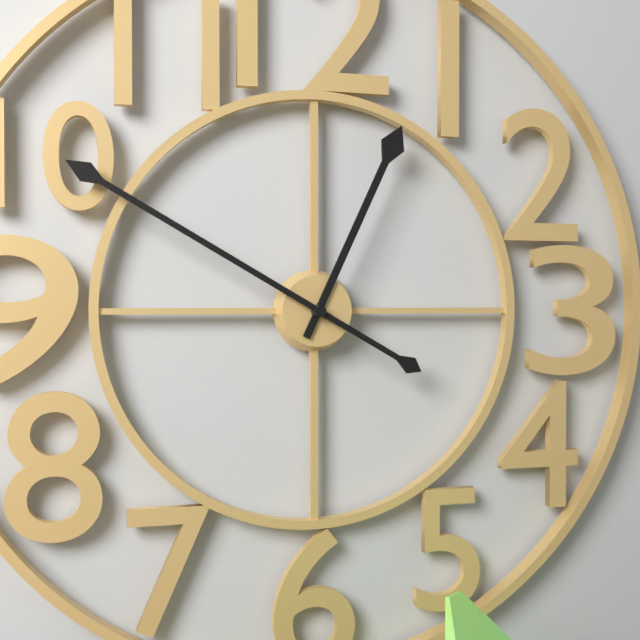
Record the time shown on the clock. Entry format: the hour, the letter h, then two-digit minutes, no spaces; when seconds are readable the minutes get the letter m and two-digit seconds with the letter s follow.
12h50
